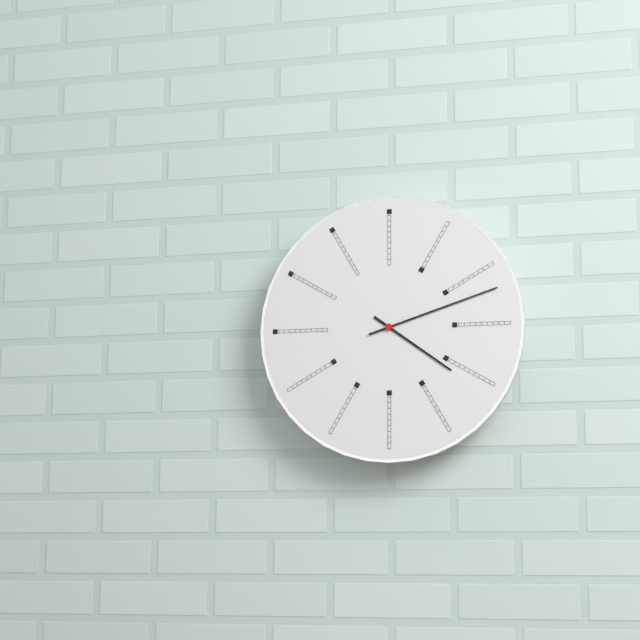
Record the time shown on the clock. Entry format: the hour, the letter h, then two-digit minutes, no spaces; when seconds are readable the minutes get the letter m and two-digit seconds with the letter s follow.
4h12
